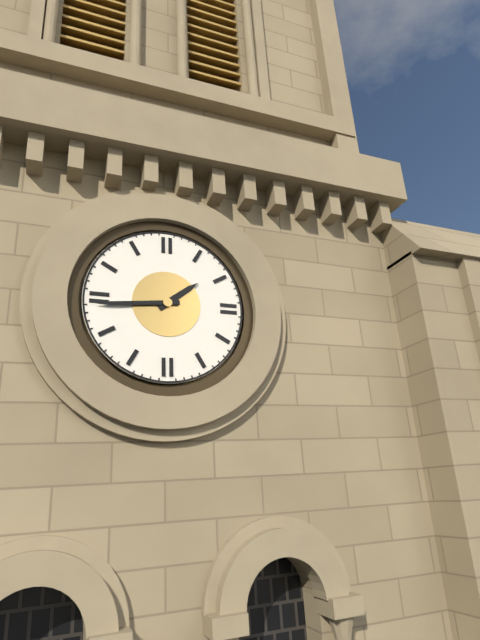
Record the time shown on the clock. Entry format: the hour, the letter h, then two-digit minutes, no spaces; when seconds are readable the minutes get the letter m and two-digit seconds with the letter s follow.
1h44
